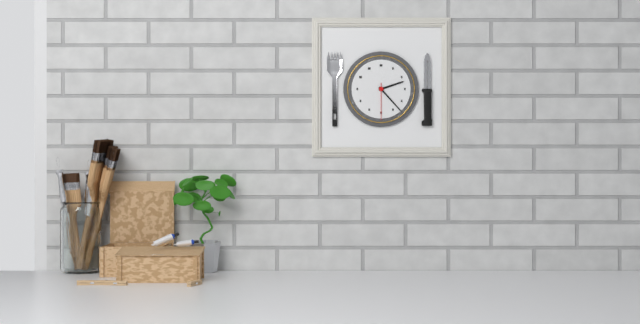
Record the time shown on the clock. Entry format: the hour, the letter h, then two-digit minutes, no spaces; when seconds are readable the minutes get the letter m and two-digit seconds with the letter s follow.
2h23
